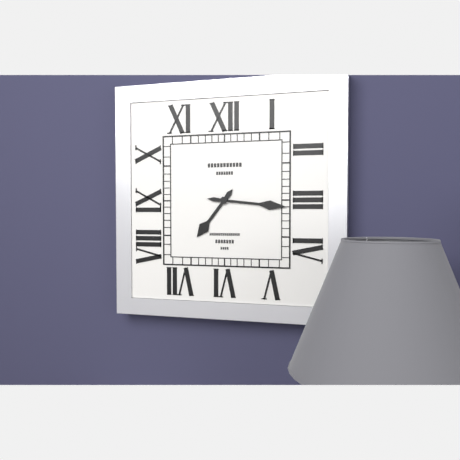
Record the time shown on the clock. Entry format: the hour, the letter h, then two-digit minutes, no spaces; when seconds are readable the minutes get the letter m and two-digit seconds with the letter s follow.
7h16
